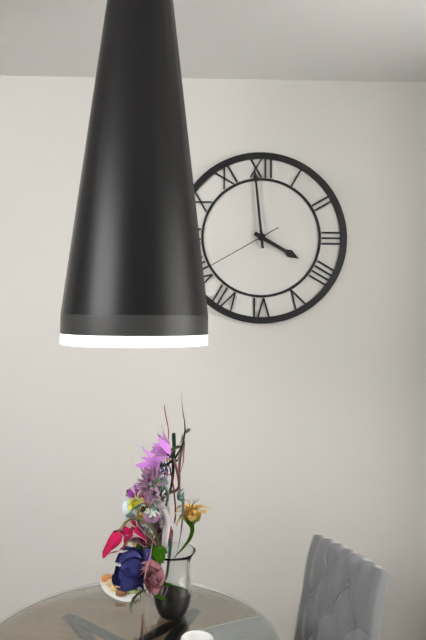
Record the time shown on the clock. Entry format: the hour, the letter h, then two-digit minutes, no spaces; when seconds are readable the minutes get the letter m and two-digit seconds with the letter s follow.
3h59m40s
